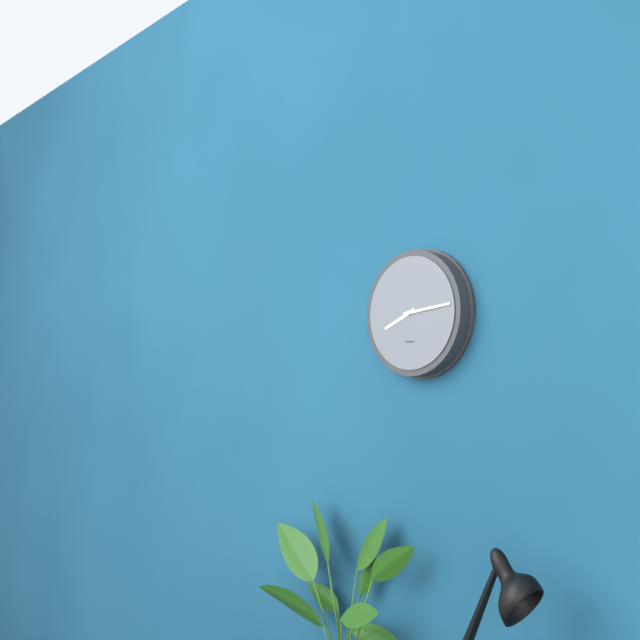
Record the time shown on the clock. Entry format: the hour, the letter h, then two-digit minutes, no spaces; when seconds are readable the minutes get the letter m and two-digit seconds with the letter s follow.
8h14
